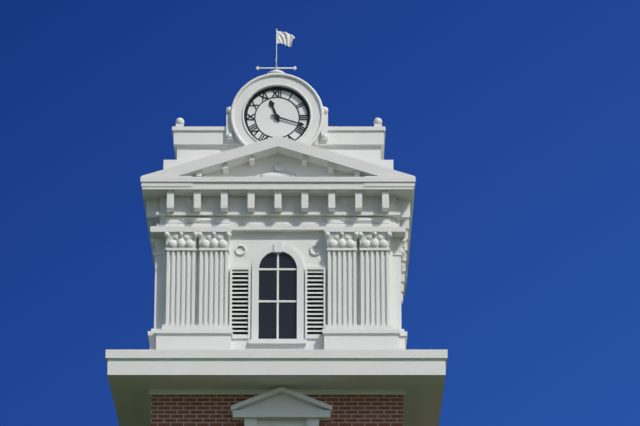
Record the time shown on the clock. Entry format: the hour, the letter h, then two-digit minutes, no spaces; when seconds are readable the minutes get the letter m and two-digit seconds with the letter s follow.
11h18
